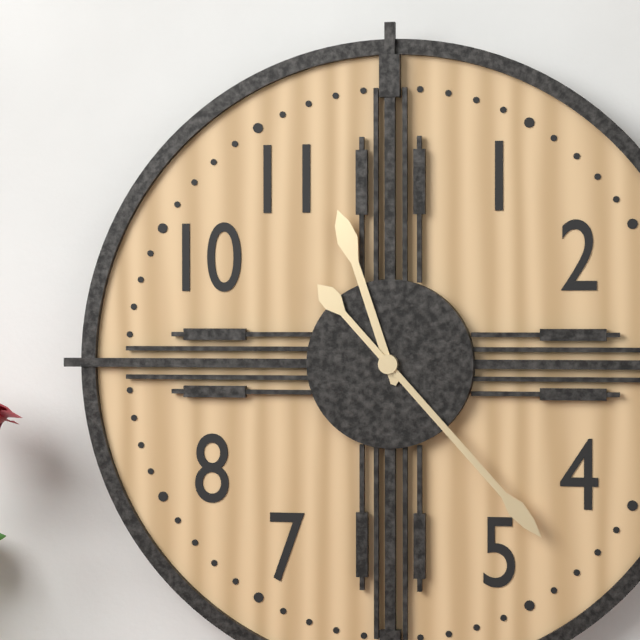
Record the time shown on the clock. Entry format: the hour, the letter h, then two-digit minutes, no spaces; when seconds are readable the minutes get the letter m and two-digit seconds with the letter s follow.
11h23
